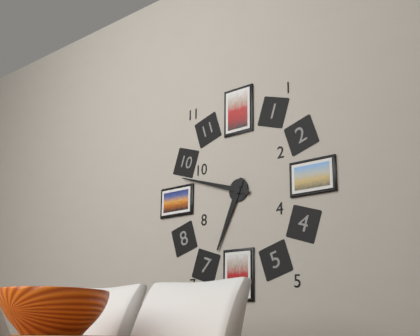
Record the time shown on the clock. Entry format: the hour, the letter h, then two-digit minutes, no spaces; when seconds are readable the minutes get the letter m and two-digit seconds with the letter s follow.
6h48
